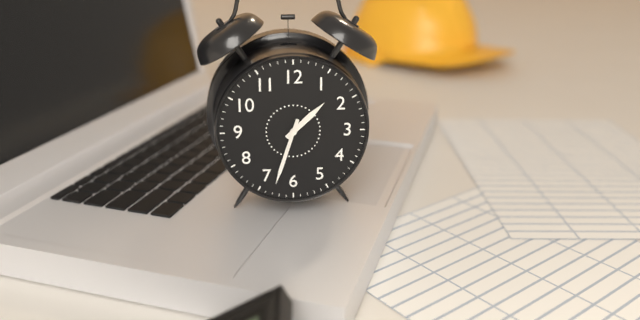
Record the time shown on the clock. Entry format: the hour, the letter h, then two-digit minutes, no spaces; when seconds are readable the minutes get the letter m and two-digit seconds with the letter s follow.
1h33
